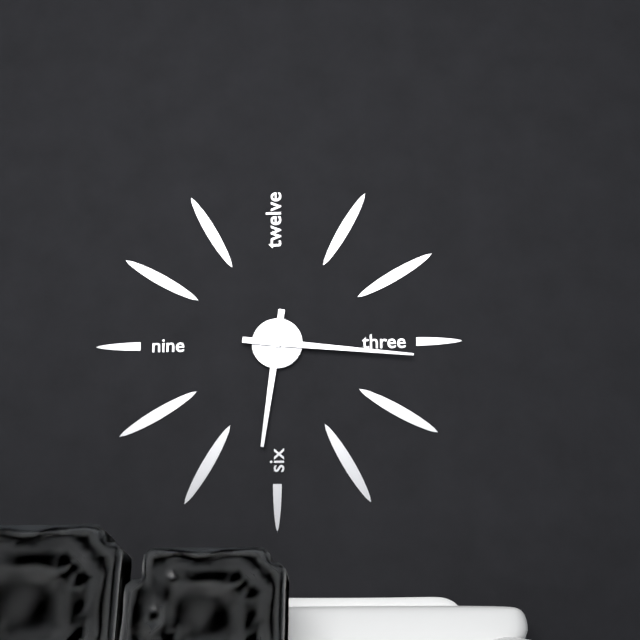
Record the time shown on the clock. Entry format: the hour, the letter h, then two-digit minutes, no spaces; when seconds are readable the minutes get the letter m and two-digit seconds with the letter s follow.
6h16
